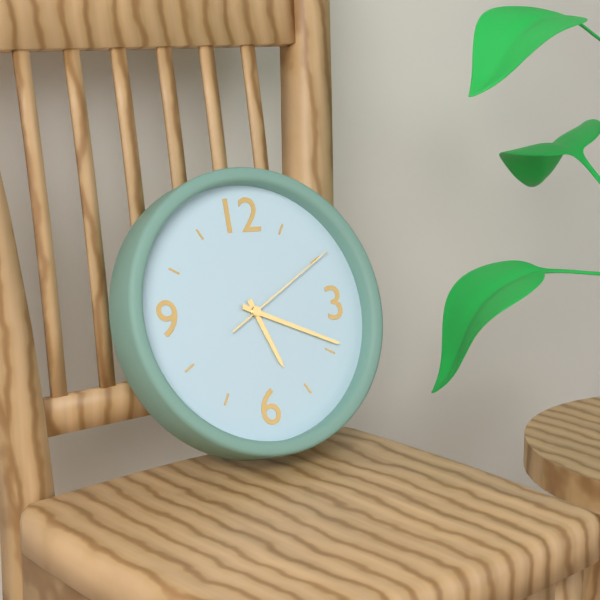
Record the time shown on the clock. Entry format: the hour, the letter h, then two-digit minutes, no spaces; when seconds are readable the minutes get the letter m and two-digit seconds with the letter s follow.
5h19m10s
